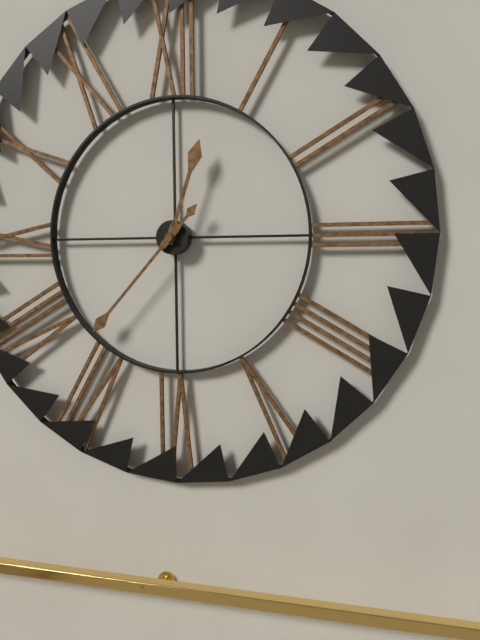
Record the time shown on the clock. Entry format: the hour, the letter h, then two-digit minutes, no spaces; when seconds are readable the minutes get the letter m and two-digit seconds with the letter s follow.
12h37
